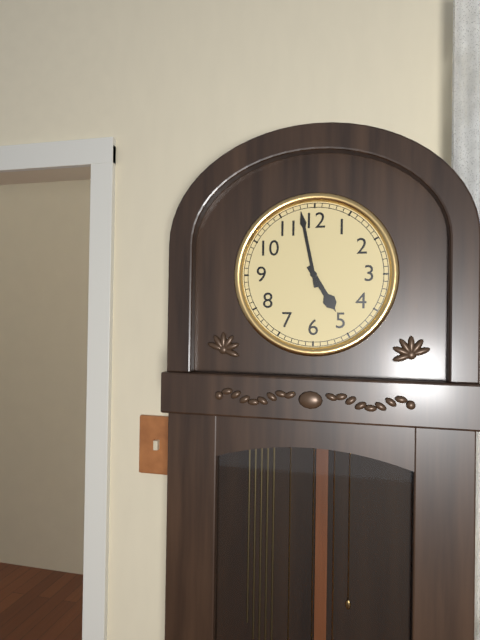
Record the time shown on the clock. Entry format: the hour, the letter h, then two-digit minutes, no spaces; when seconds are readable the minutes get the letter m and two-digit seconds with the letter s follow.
4h58
